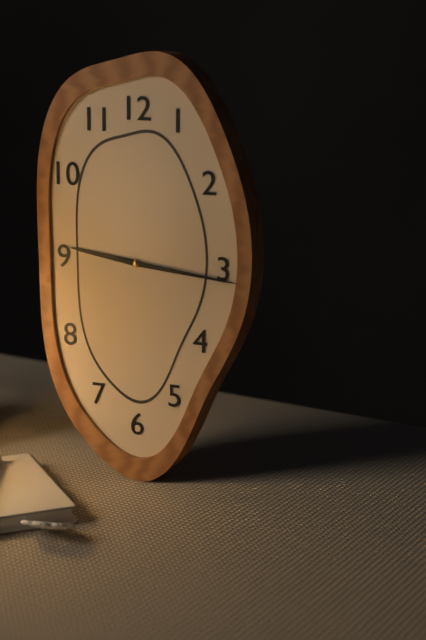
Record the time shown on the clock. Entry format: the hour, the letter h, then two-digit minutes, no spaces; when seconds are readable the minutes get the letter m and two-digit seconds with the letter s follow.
9h16
